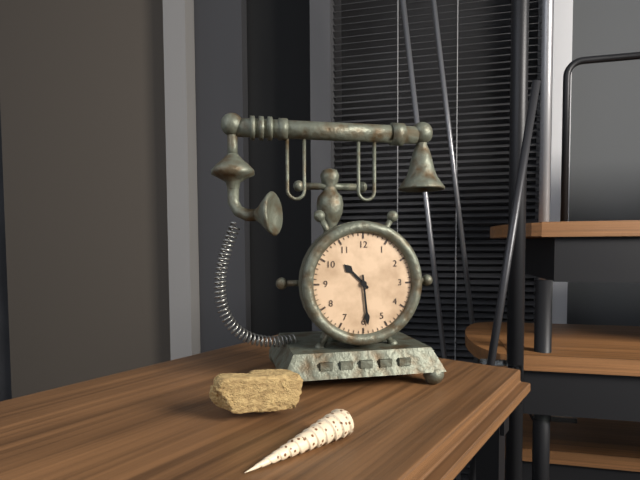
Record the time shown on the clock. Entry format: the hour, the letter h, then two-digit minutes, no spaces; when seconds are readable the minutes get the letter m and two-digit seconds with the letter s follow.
10h29
